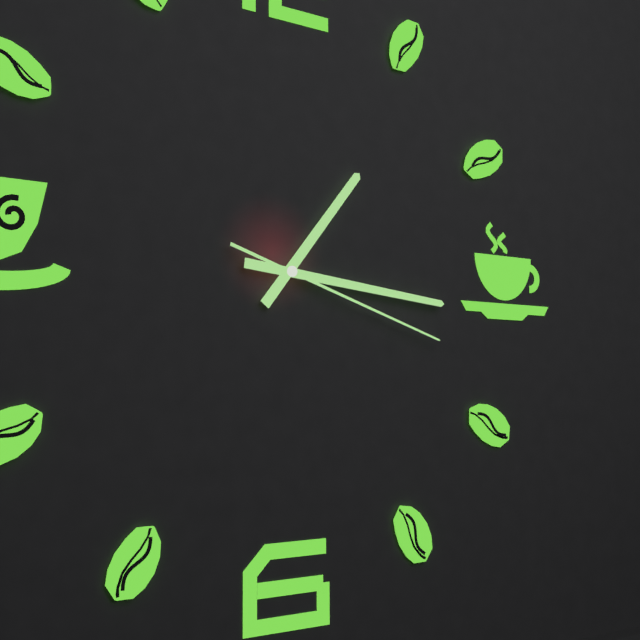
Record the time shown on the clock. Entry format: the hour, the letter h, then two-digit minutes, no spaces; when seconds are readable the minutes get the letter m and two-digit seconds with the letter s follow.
1h16m18s
